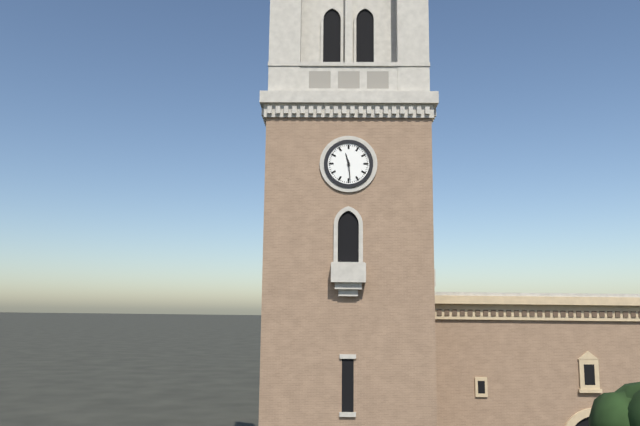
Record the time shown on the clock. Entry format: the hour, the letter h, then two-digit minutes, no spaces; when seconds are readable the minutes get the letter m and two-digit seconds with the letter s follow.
11h29
